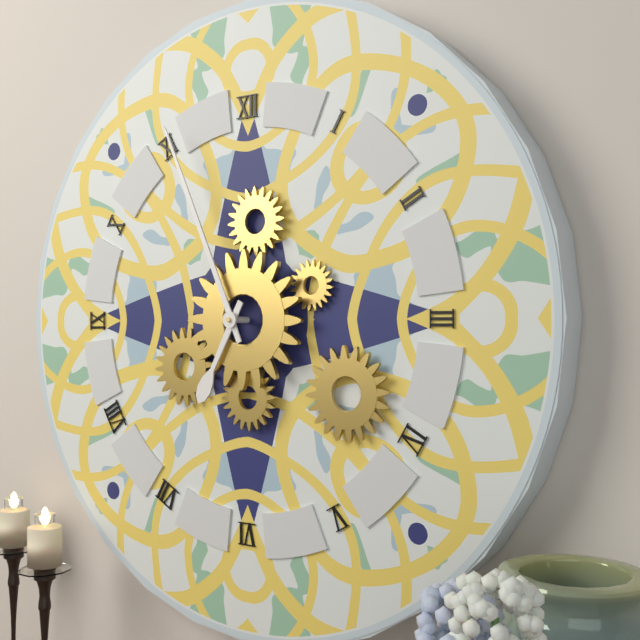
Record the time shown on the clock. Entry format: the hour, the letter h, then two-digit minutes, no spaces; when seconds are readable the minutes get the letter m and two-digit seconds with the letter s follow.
6h56
